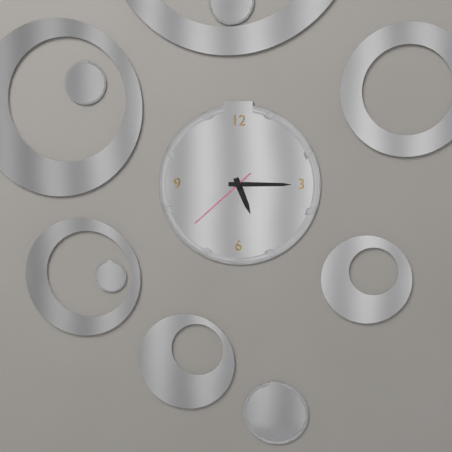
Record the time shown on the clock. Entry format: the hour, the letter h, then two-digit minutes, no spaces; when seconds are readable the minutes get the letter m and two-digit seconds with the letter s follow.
5h15m38s
